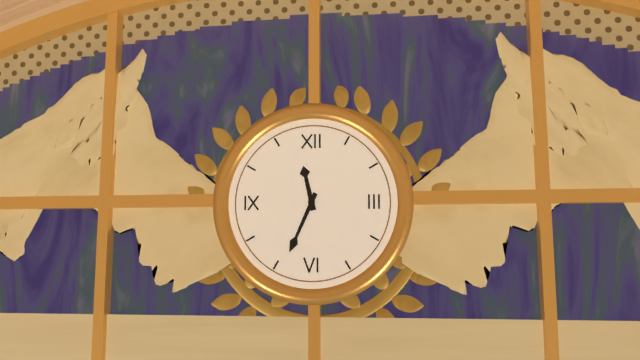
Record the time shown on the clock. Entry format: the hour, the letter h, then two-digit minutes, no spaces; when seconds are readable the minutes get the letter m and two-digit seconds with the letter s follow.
11h34
